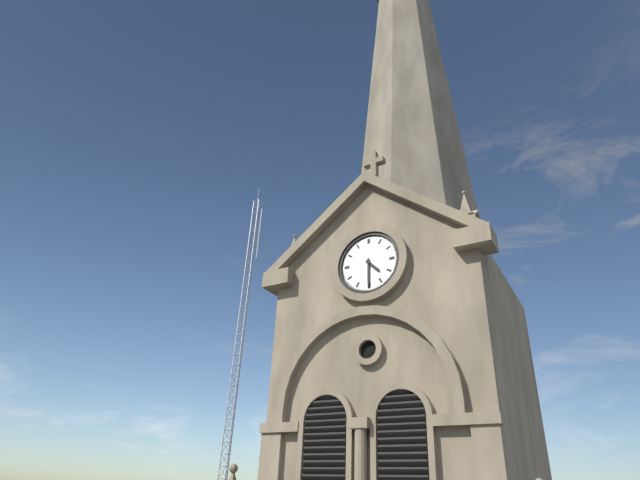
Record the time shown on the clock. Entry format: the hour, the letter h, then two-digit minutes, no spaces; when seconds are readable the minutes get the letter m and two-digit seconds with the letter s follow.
4h30
